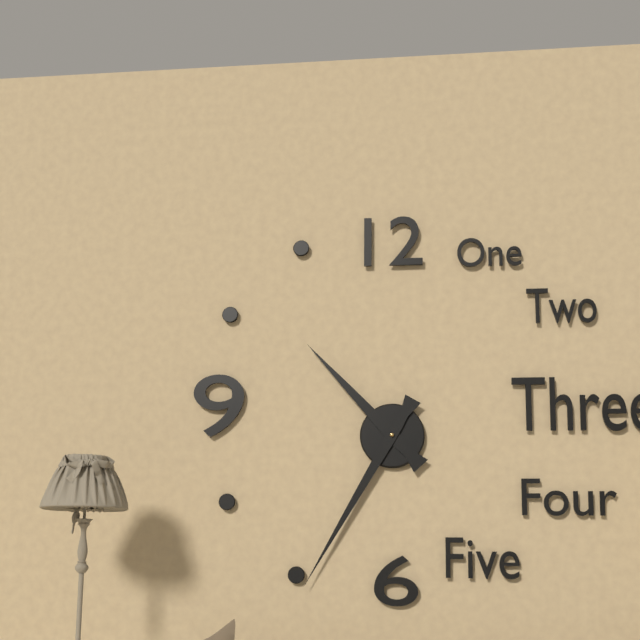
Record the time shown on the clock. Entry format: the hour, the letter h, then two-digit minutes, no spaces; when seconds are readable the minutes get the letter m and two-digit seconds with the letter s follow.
10h35
